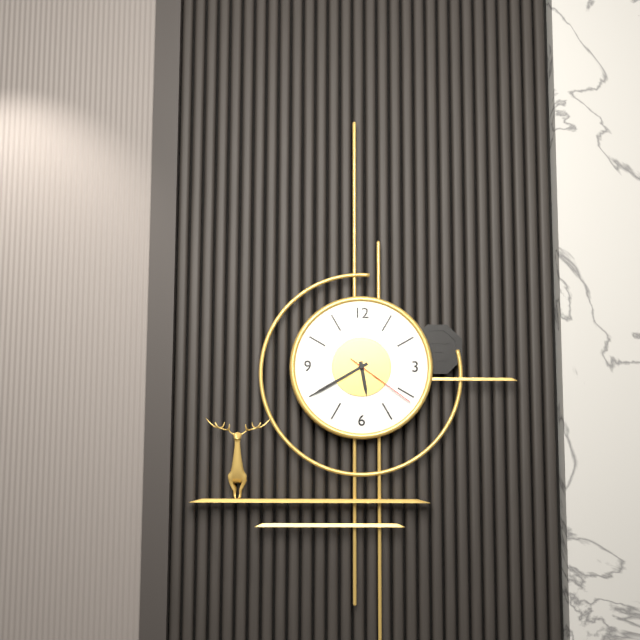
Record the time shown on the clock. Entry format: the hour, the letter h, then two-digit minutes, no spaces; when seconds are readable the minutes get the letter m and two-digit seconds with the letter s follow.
5h40m21s
